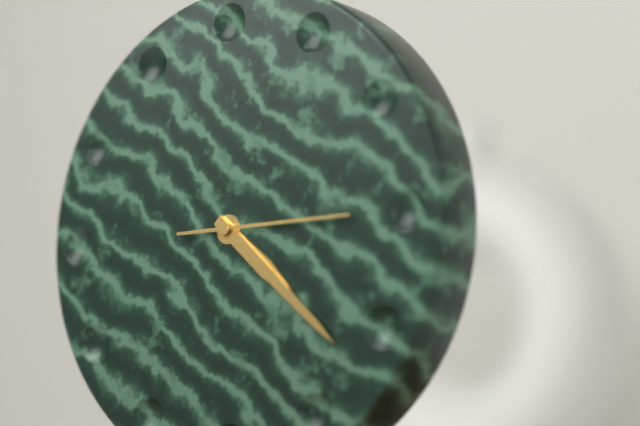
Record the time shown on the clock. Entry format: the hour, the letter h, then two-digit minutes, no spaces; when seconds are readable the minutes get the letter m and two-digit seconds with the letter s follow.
4h22m15s
